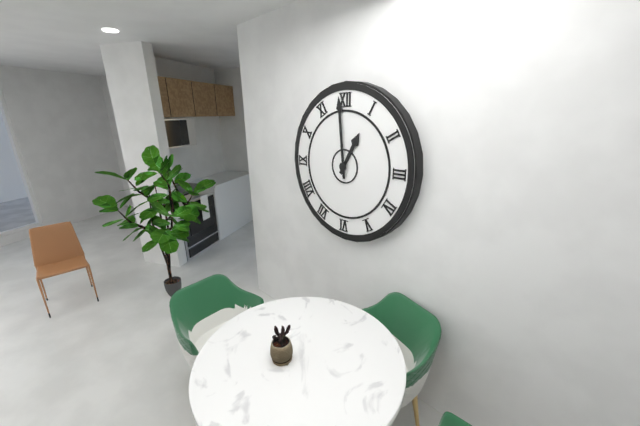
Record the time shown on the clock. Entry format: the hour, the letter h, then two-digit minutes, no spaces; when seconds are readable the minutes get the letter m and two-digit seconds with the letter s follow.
12h59
